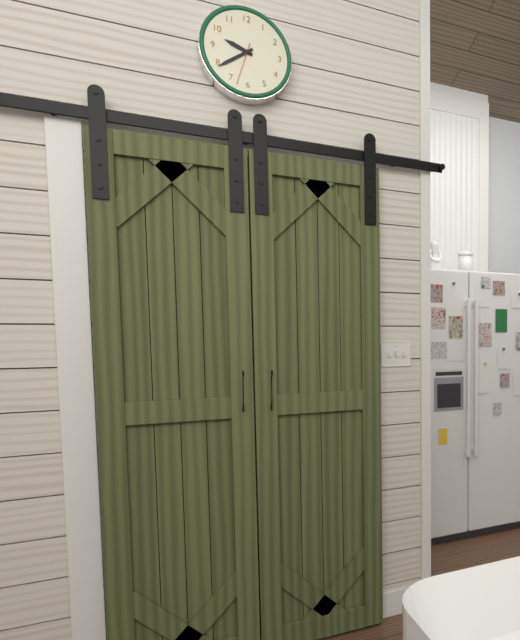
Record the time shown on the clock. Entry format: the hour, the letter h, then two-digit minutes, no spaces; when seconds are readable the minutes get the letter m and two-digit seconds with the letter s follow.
9h39
